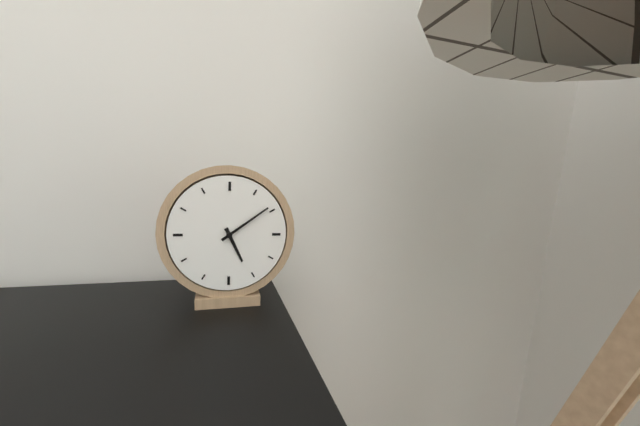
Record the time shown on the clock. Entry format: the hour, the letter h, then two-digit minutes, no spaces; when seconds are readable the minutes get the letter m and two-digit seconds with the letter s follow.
5h09
